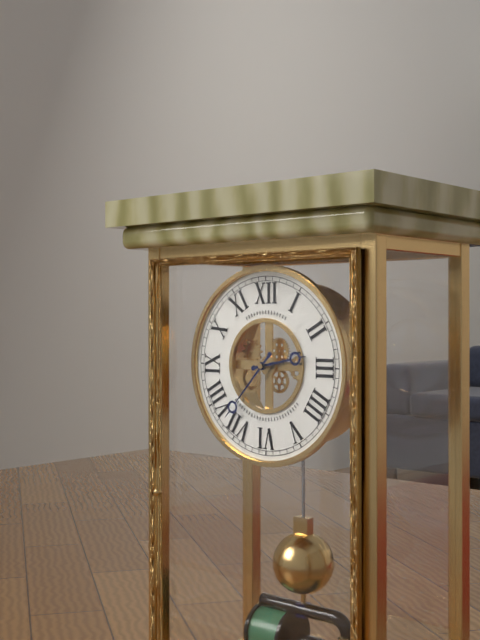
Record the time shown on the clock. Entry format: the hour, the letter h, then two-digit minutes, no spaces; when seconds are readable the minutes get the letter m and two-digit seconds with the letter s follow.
2h37
